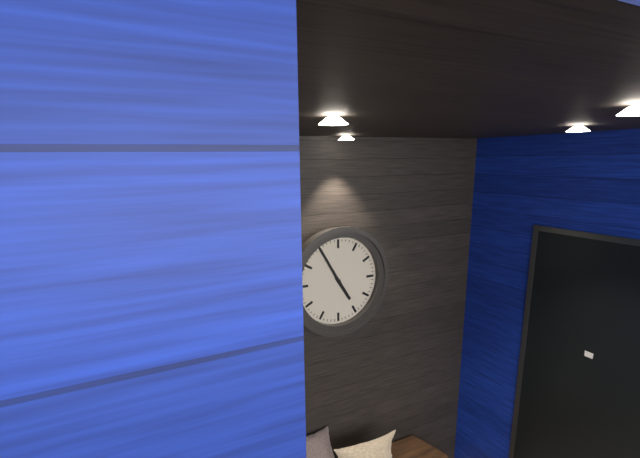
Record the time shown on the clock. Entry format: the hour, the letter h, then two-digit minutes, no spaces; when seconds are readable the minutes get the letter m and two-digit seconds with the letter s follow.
4h55
